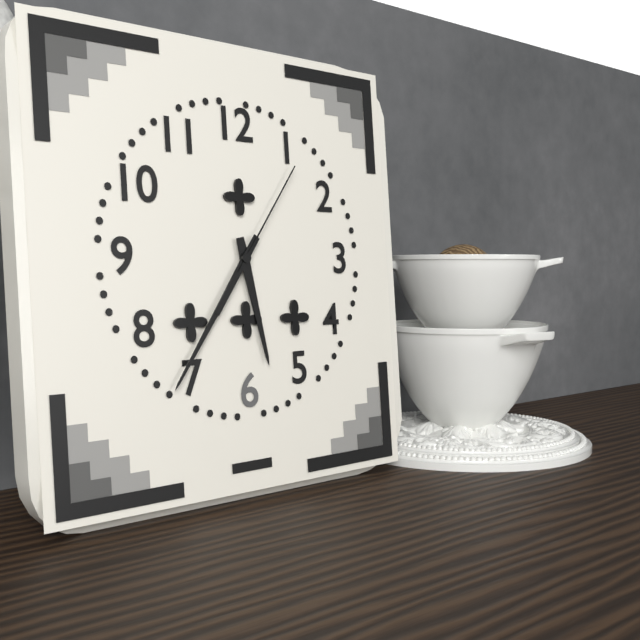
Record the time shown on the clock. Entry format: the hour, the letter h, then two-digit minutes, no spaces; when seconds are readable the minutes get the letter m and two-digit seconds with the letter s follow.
5h36m06s
